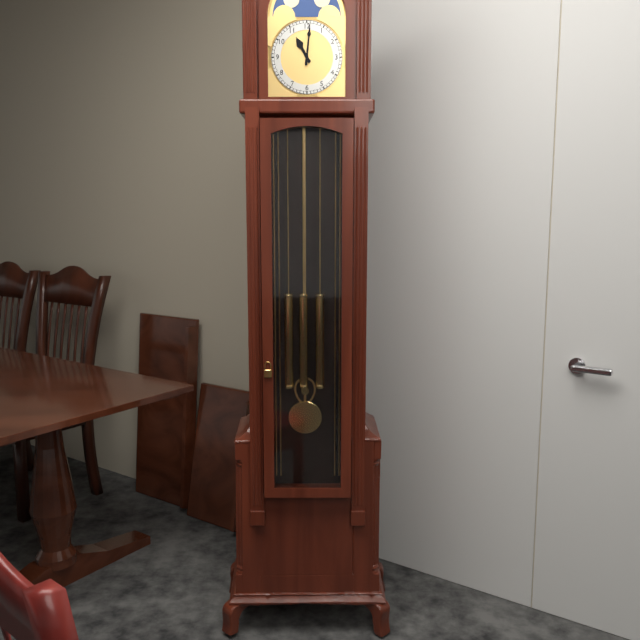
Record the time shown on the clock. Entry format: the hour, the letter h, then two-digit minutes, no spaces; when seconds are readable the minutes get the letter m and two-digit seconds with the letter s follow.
11h01
